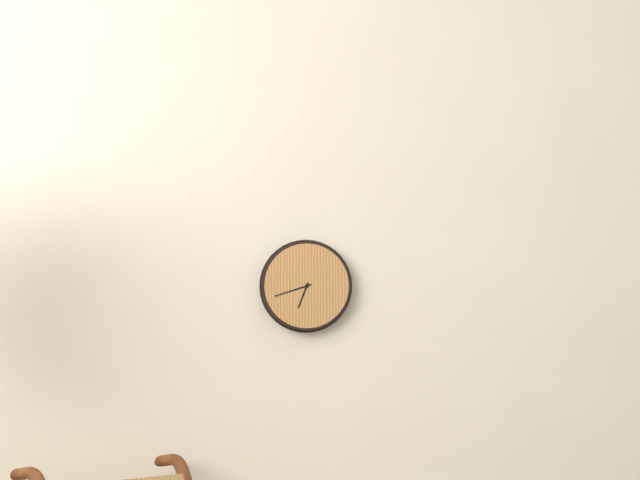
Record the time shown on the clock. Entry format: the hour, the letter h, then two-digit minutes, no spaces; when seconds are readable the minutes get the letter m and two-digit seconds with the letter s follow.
6h42
